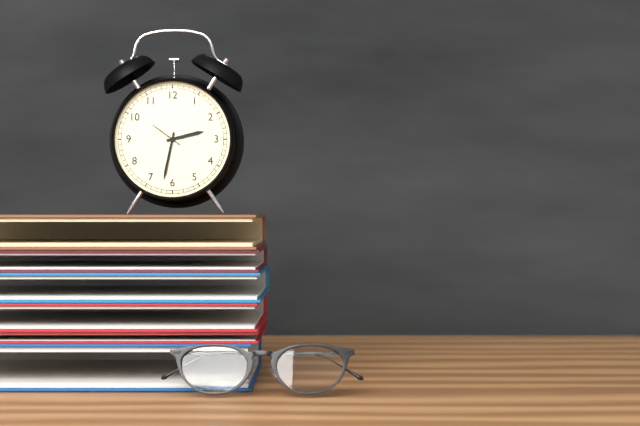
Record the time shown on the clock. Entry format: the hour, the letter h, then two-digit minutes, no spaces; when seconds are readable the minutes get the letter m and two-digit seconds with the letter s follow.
2h32
